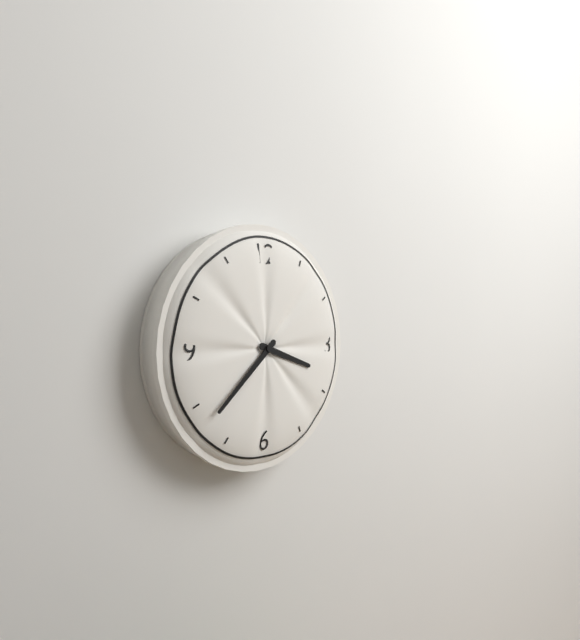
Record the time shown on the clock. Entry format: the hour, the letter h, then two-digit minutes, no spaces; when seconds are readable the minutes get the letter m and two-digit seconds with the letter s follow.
3h38
